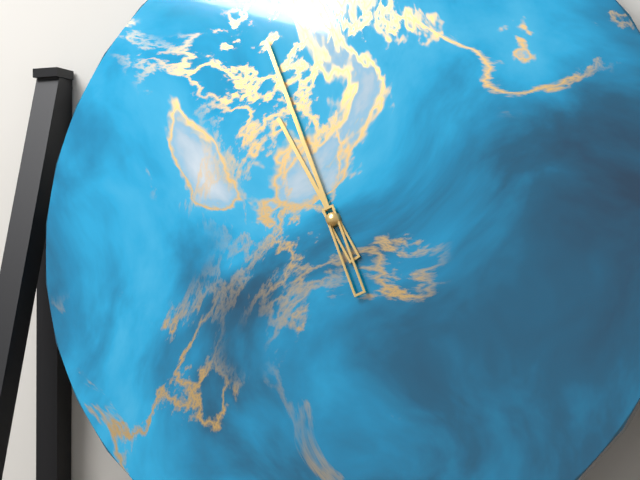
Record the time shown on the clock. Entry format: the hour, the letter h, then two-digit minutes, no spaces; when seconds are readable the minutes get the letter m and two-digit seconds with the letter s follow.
10h56
